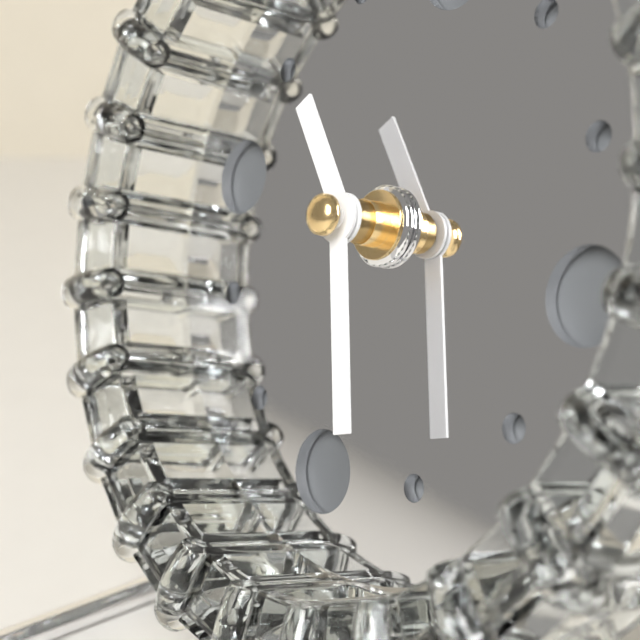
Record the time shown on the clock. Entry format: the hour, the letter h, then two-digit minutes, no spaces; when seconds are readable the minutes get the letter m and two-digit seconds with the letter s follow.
10h26
